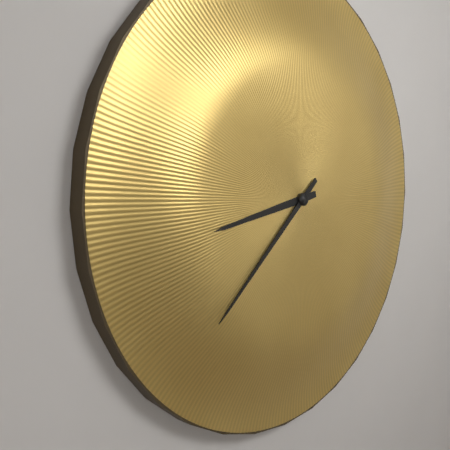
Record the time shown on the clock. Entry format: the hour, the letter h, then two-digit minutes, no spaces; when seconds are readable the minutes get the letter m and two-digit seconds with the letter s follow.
8h38
